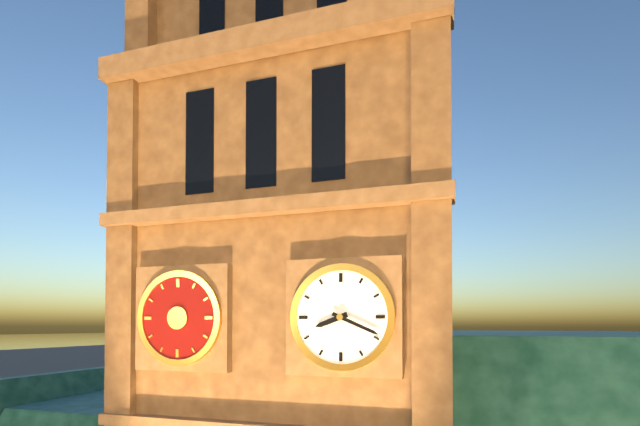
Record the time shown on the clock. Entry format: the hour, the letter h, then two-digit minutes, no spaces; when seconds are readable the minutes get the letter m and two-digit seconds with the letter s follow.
8h19
